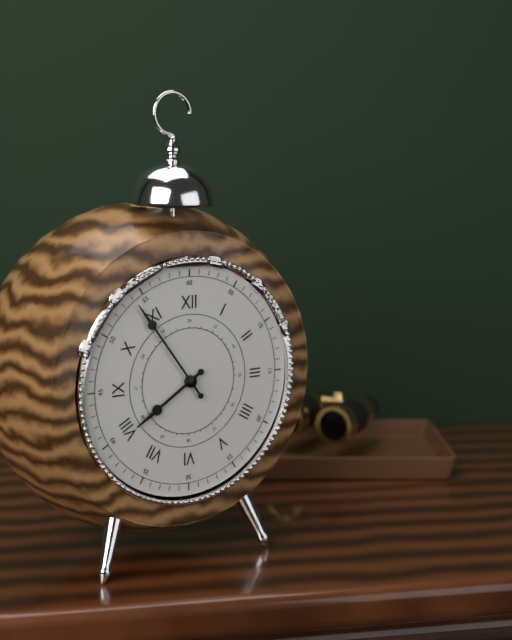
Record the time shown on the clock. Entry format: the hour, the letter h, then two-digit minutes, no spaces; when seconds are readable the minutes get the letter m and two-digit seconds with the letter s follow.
7h54
